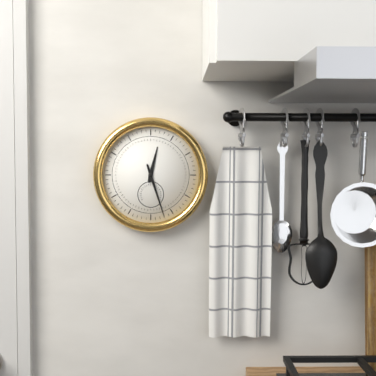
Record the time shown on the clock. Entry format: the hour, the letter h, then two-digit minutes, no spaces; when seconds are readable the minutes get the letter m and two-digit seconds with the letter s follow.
12h27
